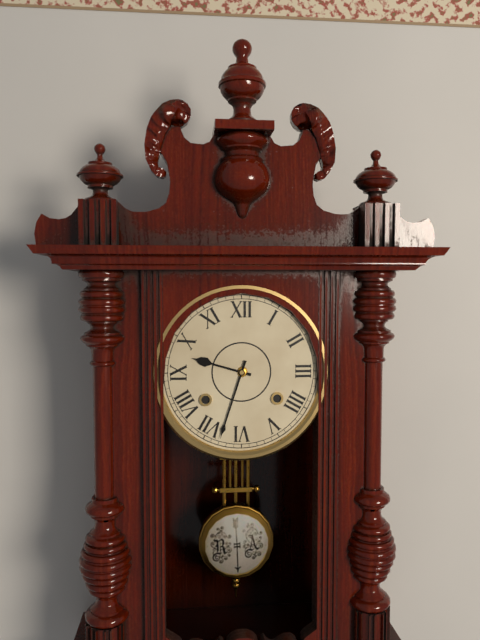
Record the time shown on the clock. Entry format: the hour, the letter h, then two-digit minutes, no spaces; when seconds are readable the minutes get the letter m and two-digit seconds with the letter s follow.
9h33
